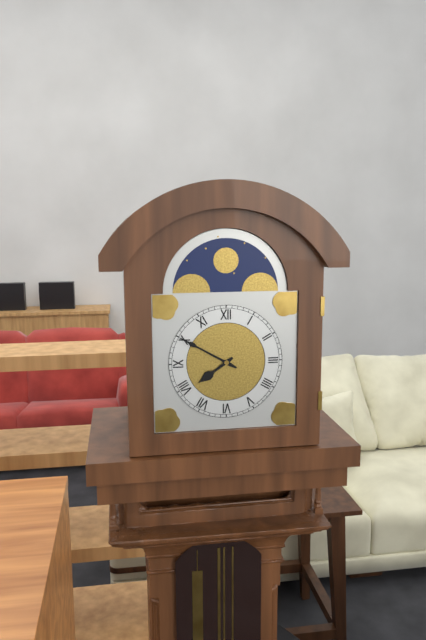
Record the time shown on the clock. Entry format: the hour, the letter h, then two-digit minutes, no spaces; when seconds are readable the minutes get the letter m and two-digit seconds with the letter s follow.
7h50
